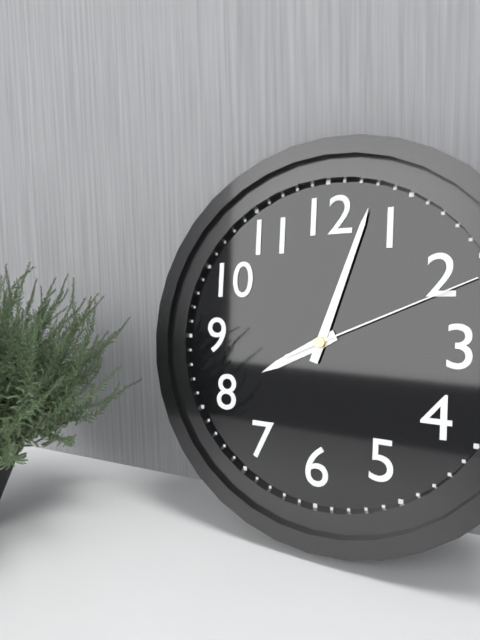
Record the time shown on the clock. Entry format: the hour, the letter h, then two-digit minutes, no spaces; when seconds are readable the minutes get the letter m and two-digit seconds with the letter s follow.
8h03m11s
